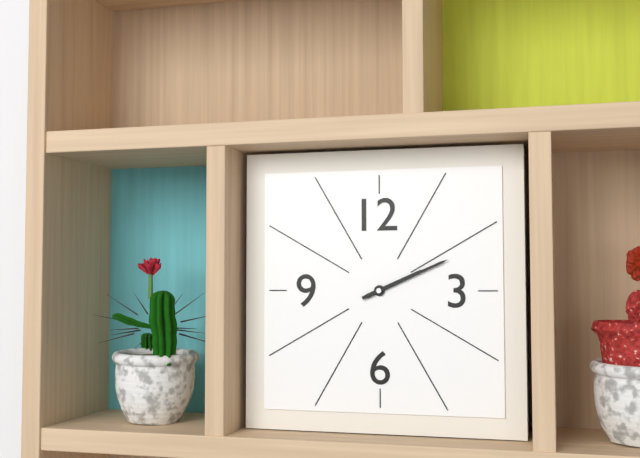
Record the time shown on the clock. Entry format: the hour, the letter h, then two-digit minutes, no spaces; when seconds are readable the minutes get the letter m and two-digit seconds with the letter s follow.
2h11
